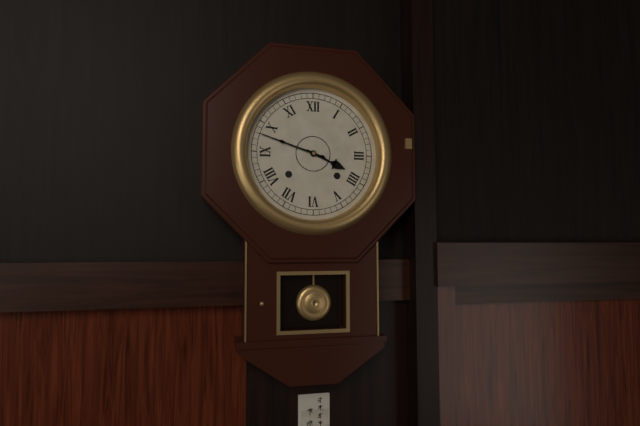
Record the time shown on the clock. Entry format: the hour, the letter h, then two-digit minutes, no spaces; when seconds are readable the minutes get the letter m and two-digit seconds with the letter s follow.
3h48
